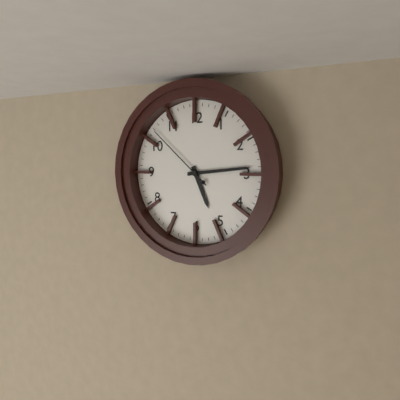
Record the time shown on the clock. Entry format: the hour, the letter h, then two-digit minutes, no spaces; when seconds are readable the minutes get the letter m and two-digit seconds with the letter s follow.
5h14m52s
